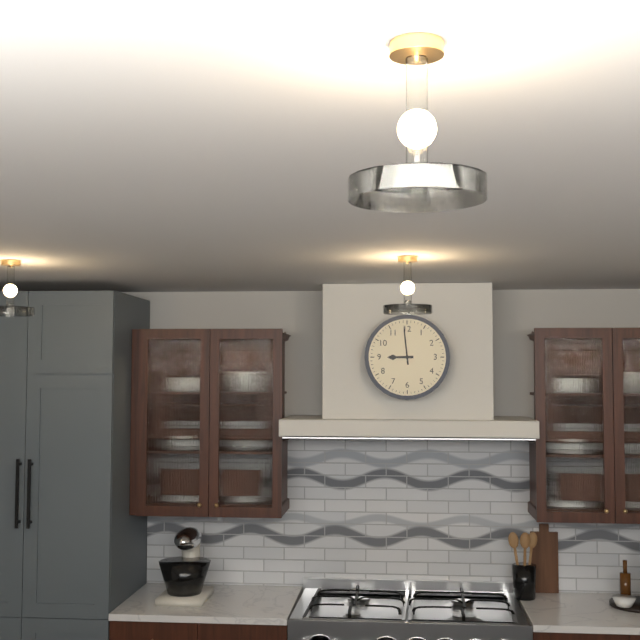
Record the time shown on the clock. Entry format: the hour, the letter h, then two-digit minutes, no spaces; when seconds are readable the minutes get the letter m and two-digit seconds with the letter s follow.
8h59
